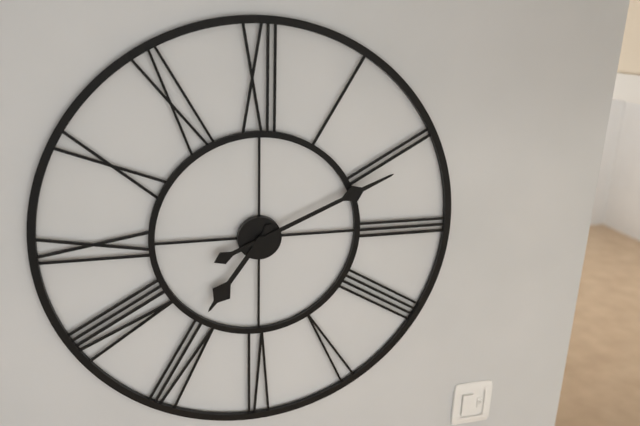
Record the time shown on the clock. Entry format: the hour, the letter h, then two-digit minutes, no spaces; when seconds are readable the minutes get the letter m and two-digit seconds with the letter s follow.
7h11
